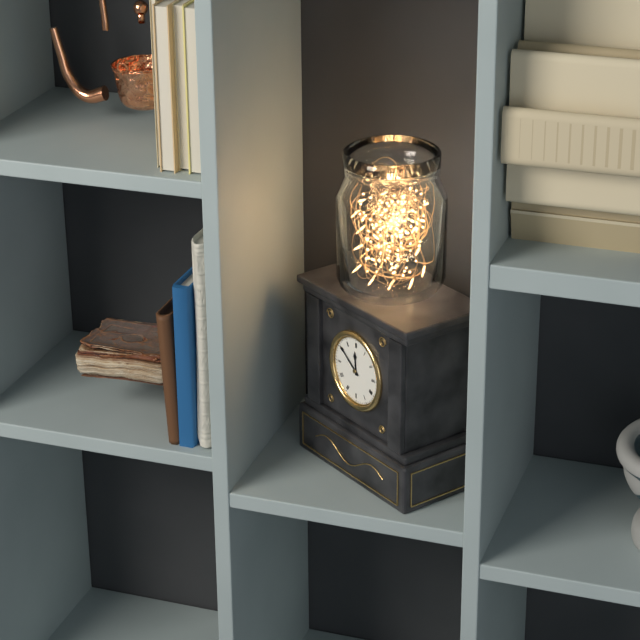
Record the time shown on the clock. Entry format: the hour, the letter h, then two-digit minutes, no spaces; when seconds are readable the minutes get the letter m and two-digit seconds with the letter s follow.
11h51
